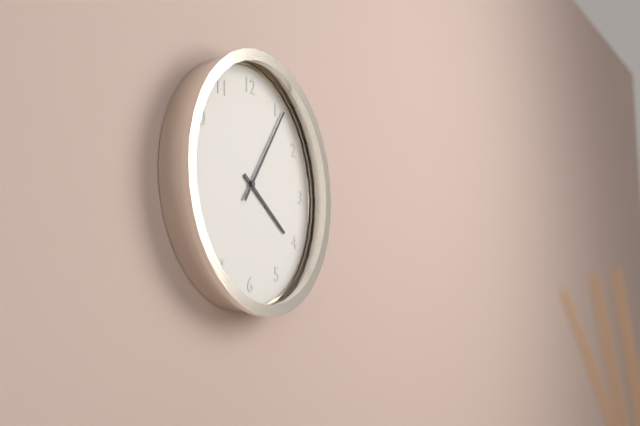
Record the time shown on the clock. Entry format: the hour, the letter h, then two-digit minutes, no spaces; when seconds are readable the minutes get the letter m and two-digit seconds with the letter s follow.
4h06
